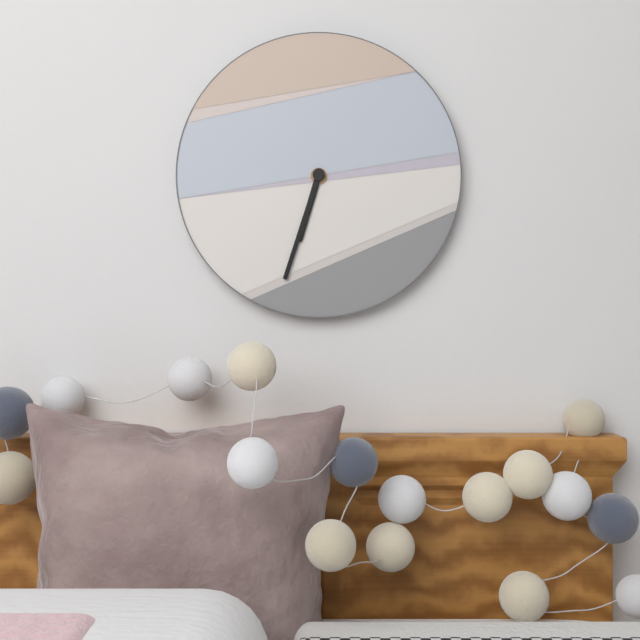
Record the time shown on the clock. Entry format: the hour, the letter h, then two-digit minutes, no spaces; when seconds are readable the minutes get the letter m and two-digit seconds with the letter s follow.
6h33
